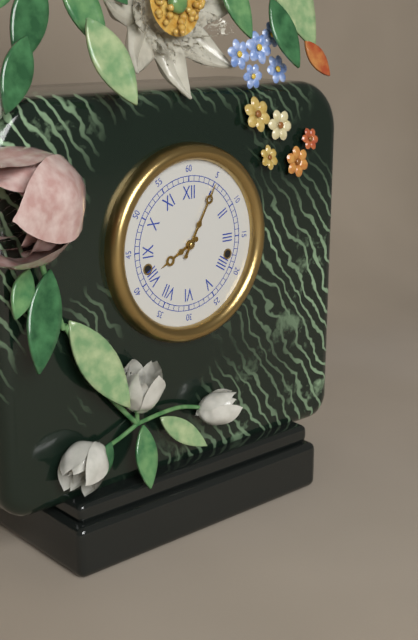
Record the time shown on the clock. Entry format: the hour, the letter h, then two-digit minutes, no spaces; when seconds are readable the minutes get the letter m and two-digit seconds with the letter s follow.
8h05
